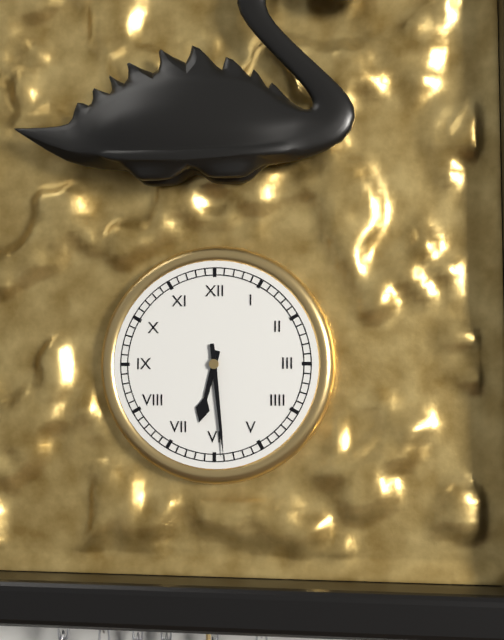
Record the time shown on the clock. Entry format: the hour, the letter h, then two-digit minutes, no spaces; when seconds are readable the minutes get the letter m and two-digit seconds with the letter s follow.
6h29
